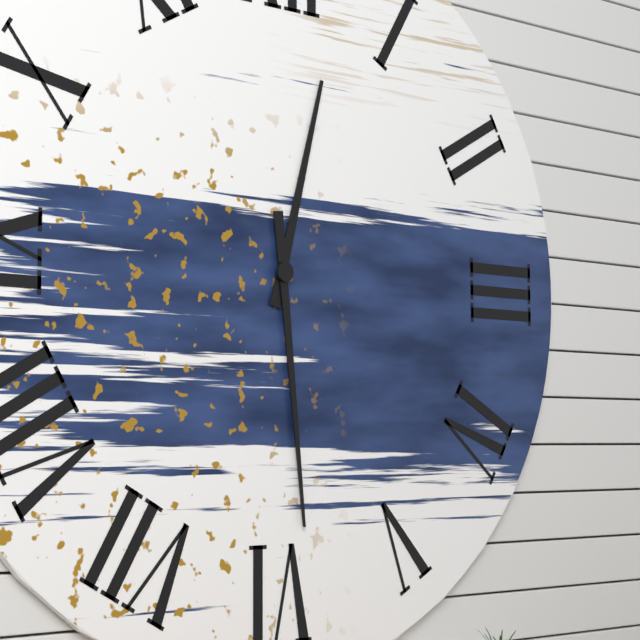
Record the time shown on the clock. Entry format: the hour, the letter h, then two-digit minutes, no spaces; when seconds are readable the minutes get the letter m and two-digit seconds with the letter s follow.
12h29
